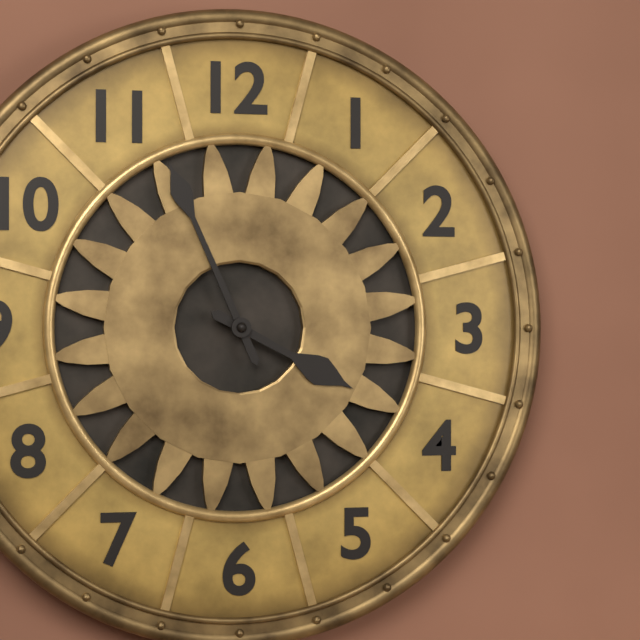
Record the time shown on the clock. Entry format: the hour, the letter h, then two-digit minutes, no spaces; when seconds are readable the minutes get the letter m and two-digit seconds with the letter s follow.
3h56
